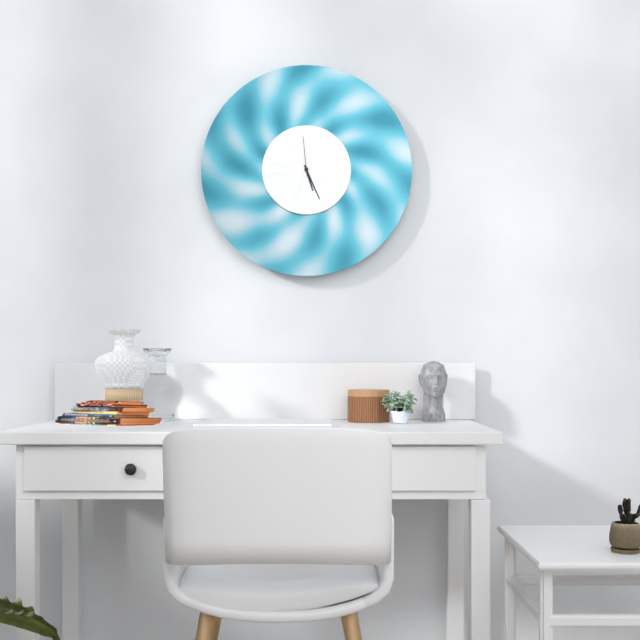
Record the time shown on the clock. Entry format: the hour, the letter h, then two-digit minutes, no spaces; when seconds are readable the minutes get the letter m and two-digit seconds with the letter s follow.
5h26
